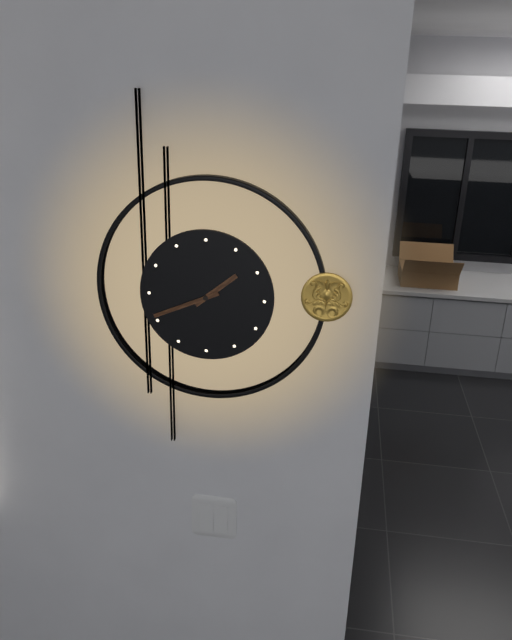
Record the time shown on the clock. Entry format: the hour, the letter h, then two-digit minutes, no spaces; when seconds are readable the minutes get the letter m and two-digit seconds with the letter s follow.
1h41
